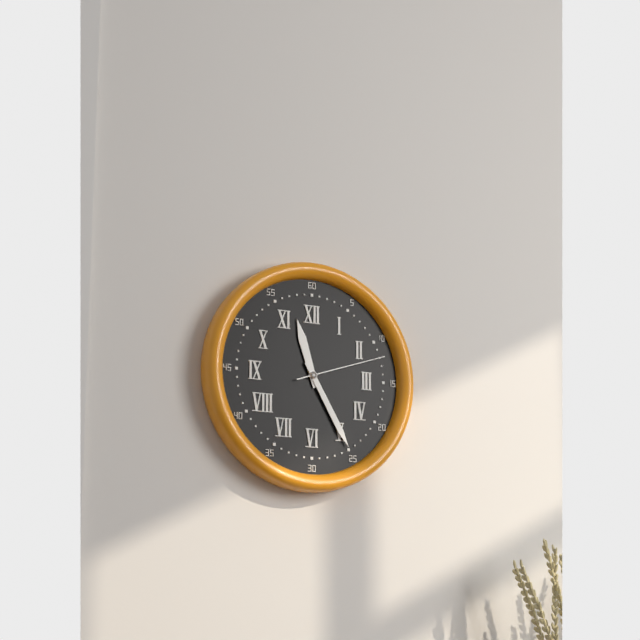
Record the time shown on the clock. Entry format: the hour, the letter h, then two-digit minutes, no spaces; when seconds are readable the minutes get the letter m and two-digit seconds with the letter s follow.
11h25m12s
